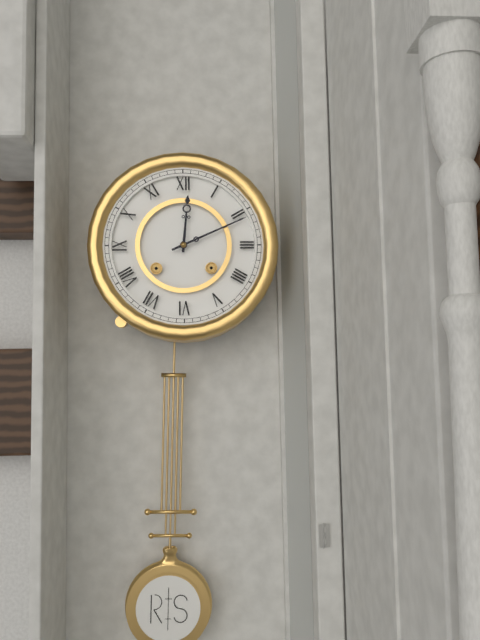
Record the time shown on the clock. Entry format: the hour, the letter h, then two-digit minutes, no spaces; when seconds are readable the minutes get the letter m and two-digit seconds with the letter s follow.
12h11
